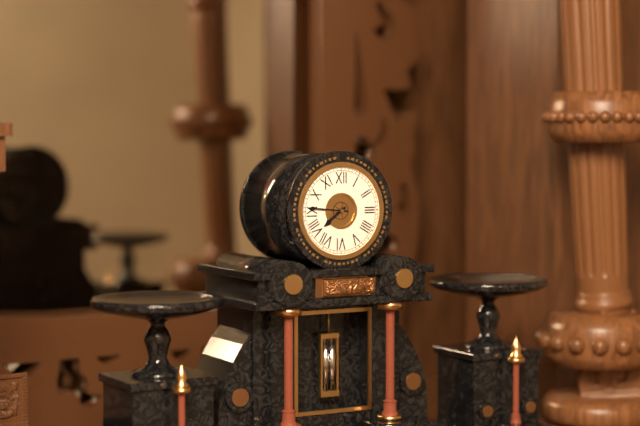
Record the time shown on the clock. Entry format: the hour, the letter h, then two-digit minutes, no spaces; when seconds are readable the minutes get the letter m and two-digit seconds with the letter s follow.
7h46
